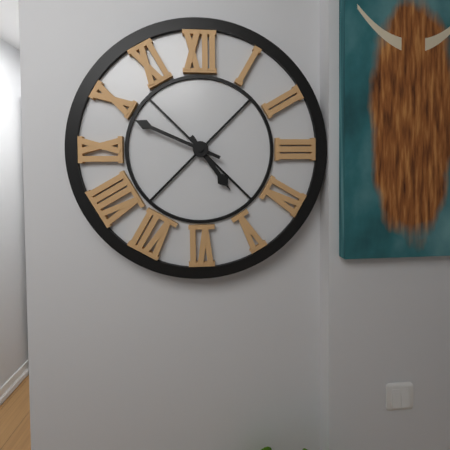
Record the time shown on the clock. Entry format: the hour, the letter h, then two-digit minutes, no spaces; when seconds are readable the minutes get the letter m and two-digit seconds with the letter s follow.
4h49
